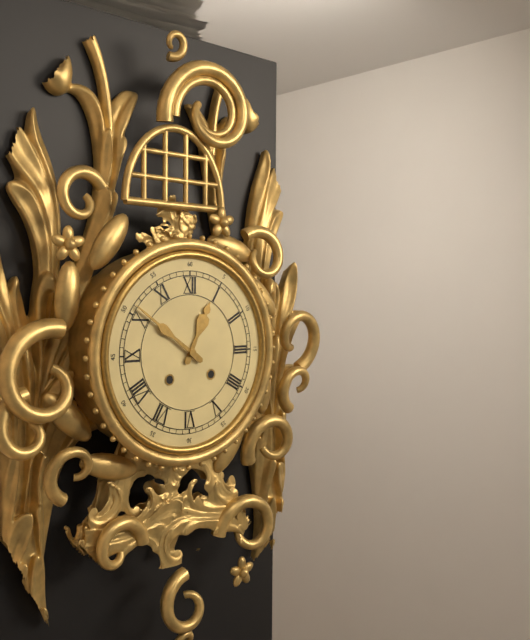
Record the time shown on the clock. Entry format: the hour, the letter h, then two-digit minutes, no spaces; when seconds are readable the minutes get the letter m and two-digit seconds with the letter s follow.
12h51
